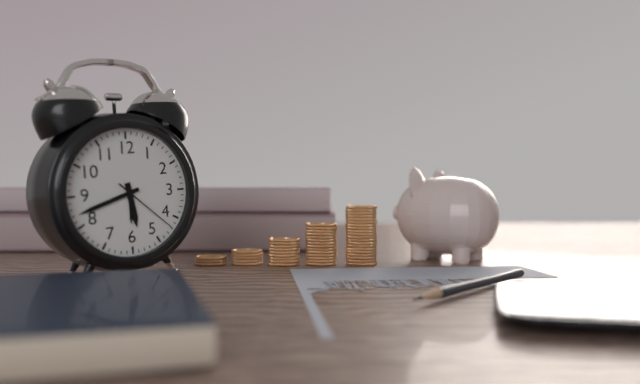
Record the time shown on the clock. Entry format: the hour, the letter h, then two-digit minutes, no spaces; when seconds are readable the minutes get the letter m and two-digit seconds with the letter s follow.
5h42m22s
